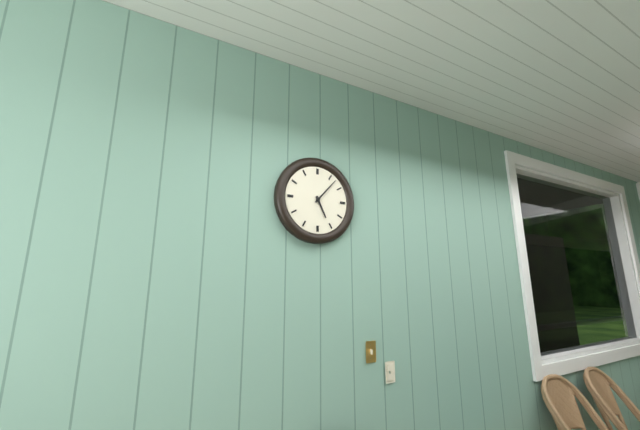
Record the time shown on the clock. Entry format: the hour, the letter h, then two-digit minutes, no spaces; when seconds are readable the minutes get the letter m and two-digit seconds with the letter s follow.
5h07
